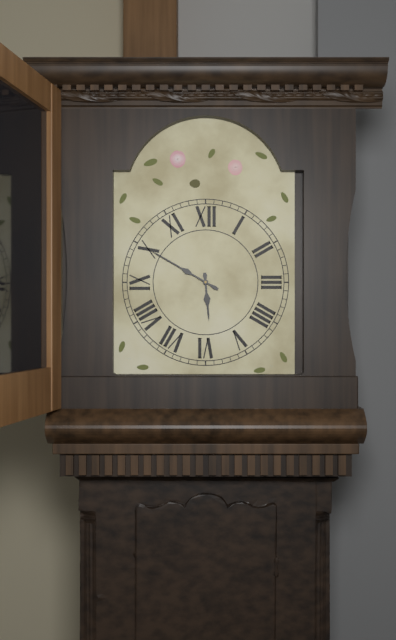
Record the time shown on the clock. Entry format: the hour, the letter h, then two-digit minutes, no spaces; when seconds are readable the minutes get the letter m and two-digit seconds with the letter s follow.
5h50
